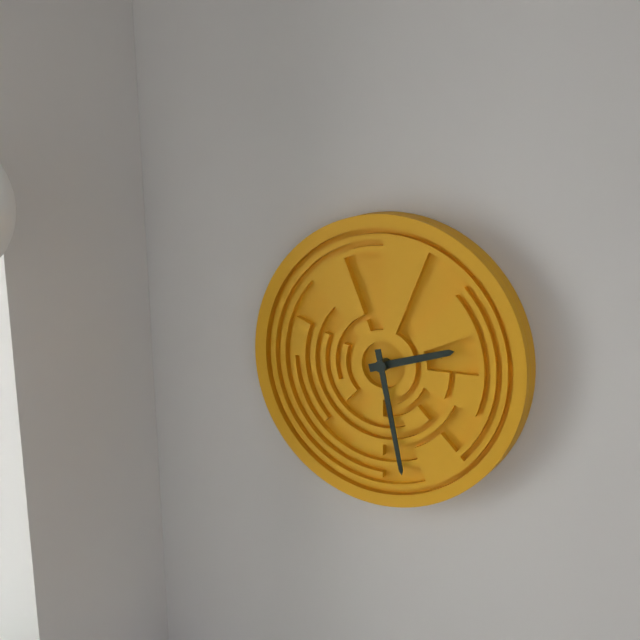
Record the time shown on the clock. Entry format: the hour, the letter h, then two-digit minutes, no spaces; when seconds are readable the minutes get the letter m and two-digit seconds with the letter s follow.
2h28
